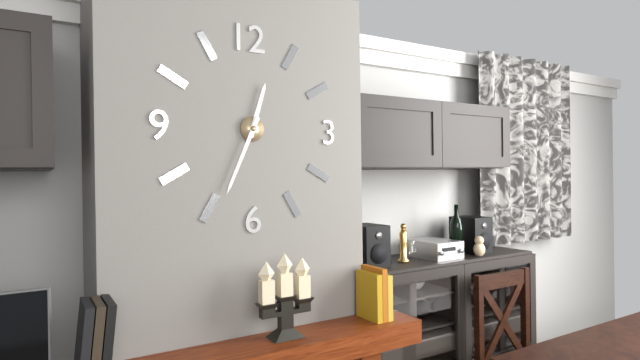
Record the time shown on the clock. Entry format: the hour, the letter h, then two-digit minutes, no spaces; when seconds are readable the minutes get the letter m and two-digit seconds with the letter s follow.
12h34
